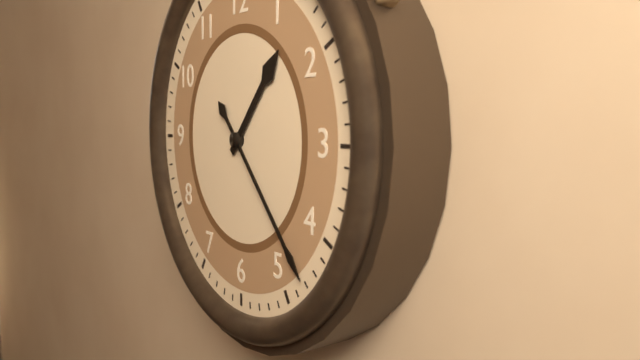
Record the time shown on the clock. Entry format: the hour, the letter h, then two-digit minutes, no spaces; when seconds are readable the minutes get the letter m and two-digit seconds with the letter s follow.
1h23
